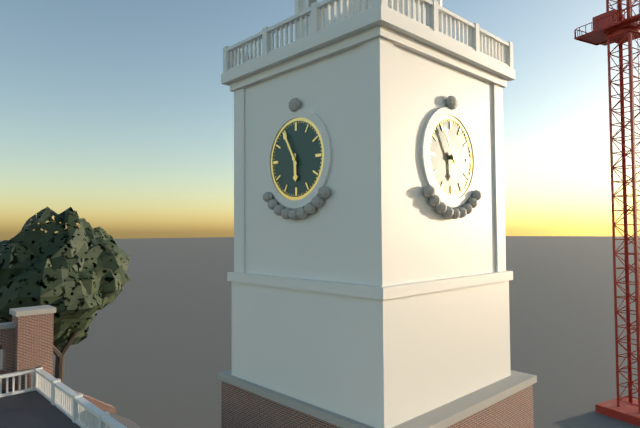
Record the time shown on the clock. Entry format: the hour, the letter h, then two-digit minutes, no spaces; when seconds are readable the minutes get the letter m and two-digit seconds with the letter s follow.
5h55
